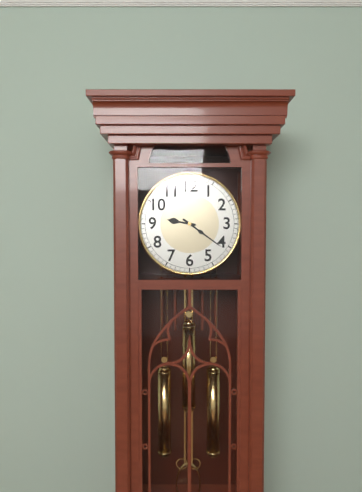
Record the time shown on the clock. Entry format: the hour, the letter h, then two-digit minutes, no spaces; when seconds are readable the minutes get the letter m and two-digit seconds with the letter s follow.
9h21
